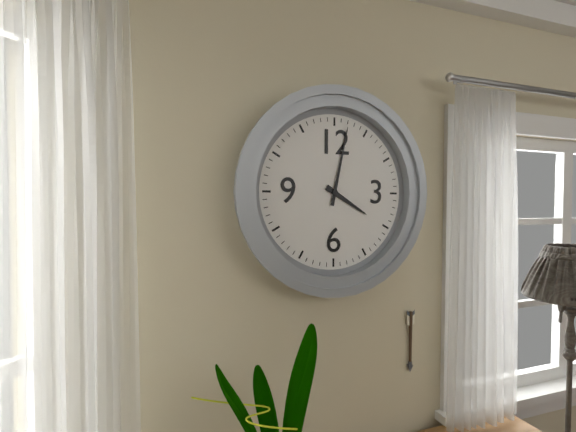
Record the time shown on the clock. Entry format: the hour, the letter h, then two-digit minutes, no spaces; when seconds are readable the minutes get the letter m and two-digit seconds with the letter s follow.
4h02
